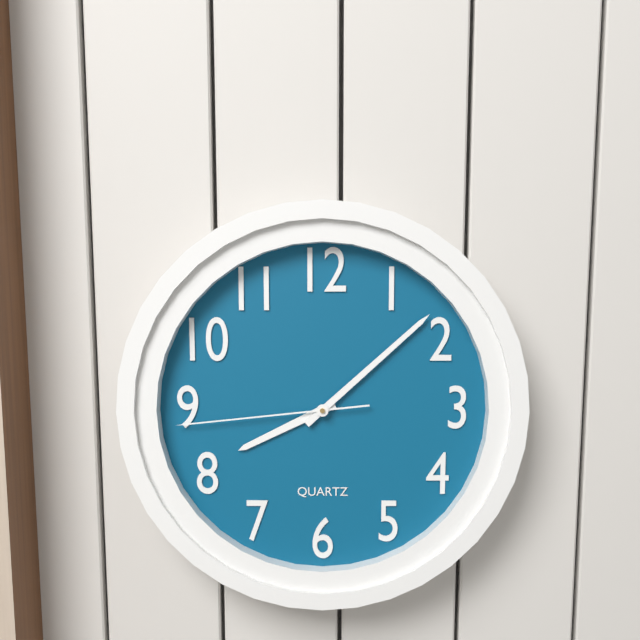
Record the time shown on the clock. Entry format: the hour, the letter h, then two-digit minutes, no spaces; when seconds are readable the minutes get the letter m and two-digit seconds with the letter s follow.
8h08m44s
